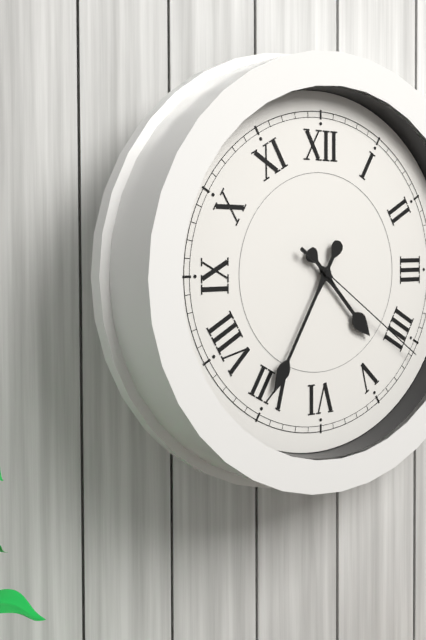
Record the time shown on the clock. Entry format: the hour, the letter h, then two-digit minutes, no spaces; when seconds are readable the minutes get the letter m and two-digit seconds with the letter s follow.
4h35m21s
